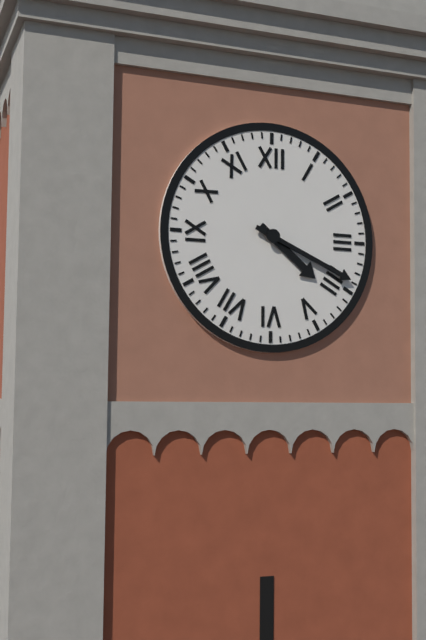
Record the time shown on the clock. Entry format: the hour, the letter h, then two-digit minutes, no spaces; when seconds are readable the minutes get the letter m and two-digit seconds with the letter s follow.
4h19
